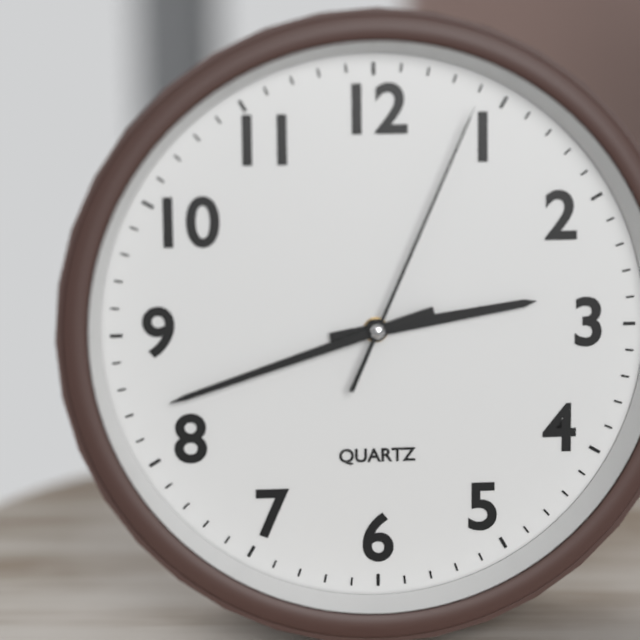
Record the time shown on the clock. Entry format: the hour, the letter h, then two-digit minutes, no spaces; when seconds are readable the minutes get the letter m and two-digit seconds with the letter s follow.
2h42m04s
